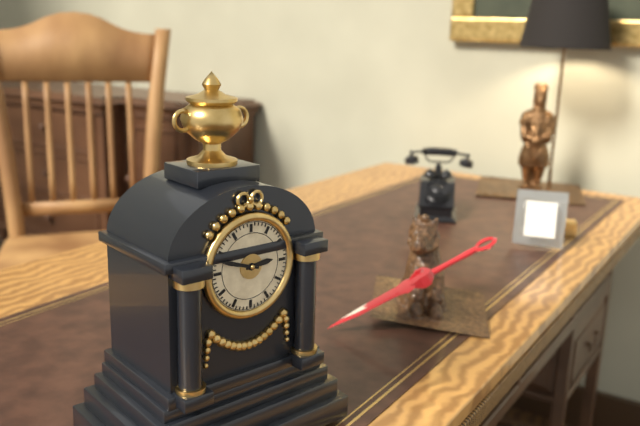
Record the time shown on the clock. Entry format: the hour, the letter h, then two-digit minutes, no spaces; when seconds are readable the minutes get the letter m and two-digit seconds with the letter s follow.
2h48
